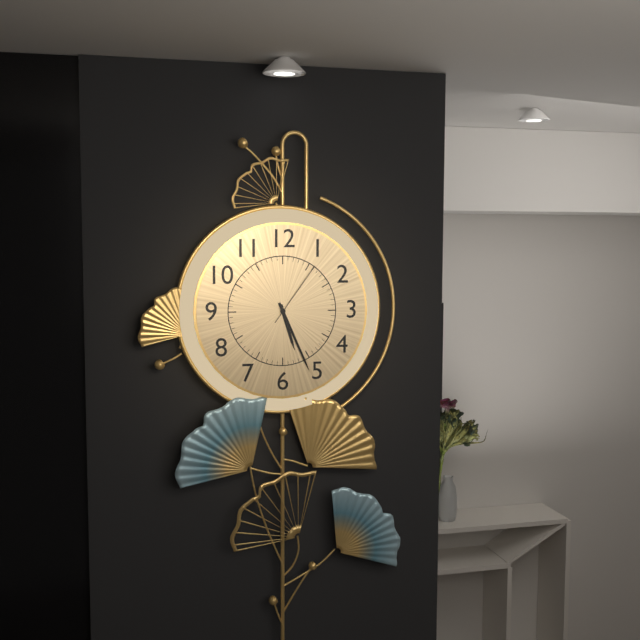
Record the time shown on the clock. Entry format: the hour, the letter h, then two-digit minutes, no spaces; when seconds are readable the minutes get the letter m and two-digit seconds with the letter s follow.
5h26m06s
